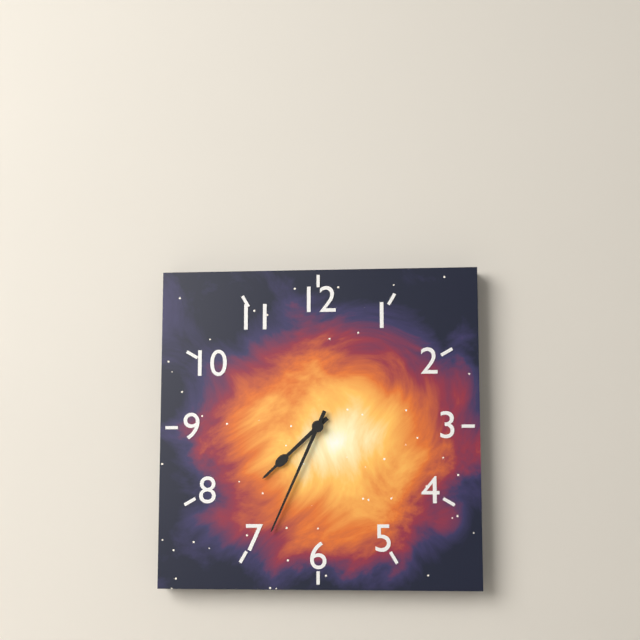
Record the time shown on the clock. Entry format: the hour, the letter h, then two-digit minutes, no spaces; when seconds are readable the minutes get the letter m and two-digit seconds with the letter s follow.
7h34
